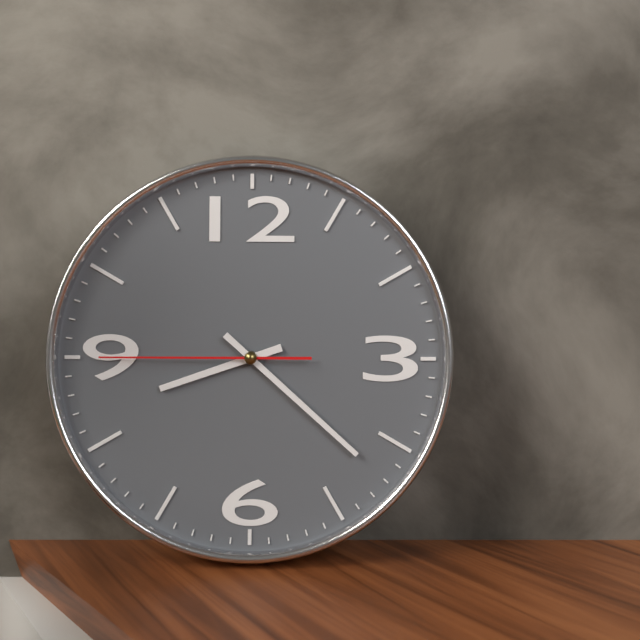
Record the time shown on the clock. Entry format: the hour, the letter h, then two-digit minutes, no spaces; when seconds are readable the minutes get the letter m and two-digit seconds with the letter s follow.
8h22m45s
